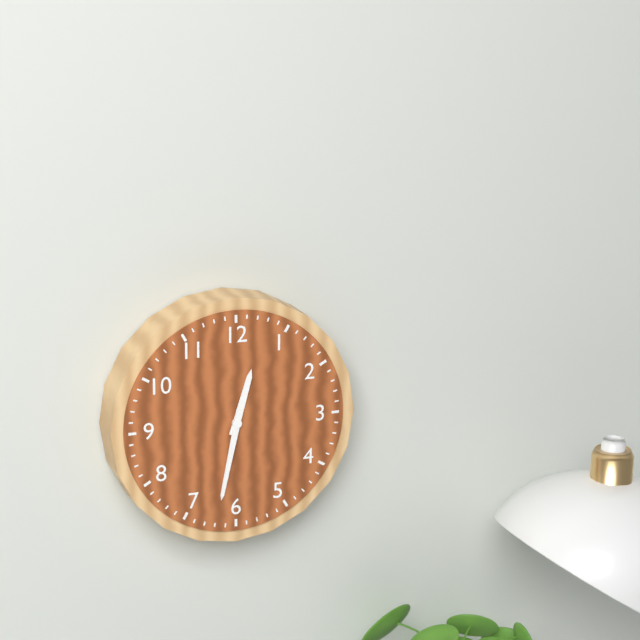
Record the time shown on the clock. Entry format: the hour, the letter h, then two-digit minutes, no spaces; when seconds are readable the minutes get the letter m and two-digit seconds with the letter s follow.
12h32
